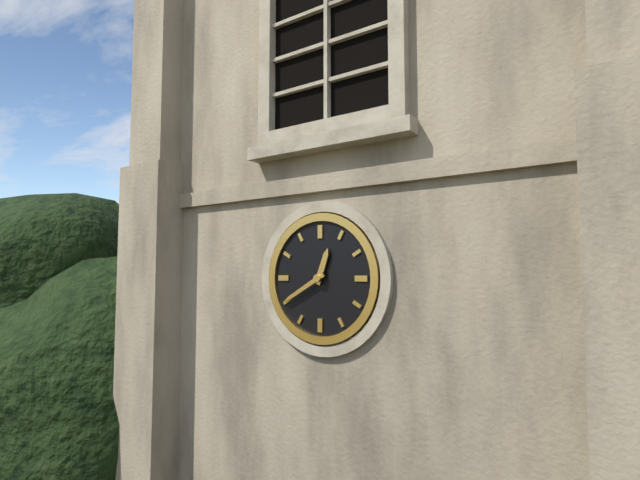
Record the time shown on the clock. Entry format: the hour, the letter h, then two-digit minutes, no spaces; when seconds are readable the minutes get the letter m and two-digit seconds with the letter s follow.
12h40
